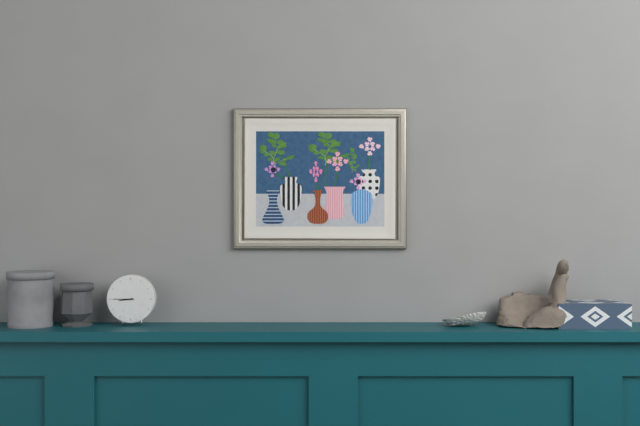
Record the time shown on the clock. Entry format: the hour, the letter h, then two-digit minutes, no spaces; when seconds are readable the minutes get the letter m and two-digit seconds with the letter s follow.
8h45
